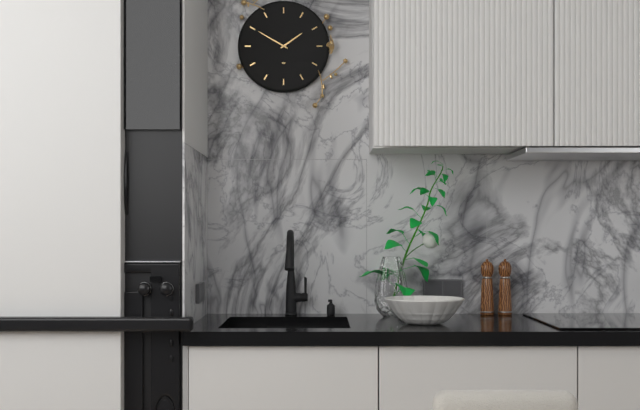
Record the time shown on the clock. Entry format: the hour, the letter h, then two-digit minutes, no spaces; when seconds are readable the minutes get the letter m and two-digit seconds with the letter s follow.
1h50
